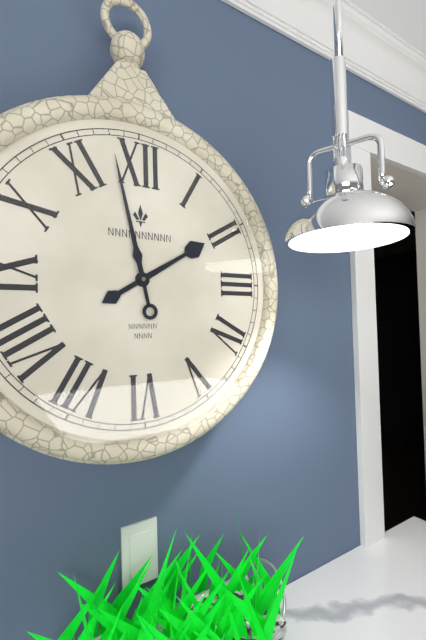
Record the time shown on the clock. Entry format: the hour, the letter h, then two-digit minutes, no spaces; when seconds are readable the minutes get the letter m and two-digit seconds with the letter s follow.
1h58
